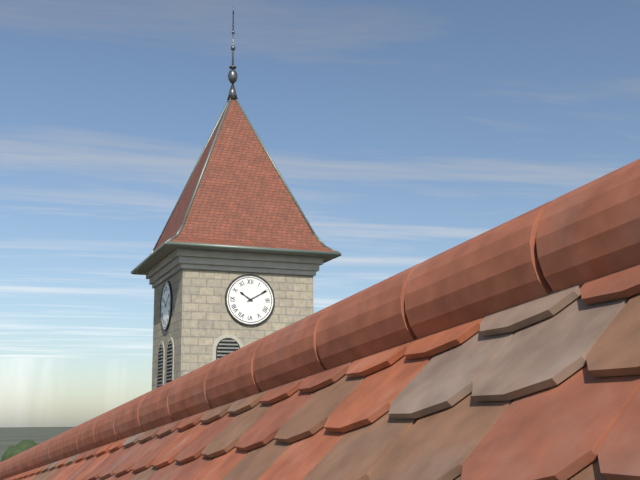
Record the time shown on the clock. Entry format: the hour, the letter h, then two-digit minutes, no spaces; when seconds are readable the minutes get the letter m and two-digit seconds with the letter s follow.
10h10
